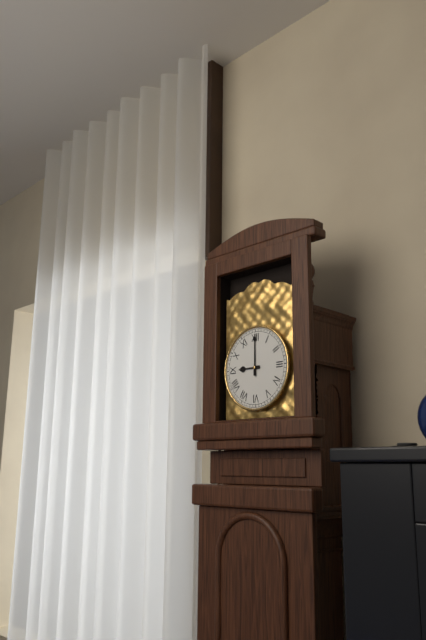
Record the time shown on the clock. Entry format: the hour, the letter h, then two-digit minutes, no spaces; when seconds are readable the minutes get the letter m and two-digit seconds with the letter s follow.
9h00
